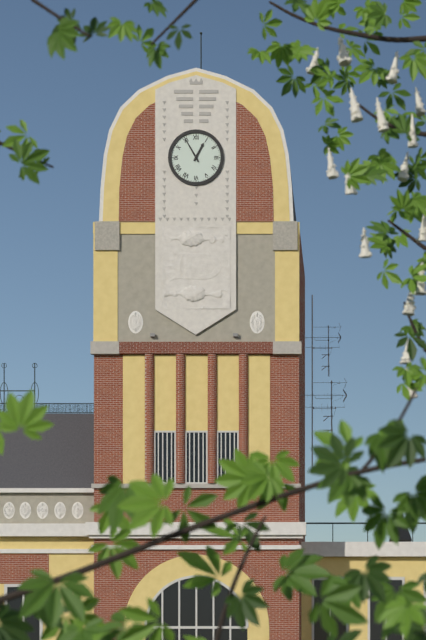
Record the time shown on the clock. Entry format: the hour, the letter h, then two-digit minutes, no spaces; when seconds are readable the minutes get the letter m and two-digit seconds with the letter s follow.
12h55
